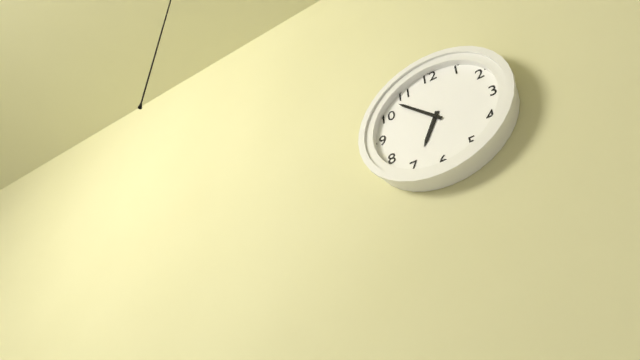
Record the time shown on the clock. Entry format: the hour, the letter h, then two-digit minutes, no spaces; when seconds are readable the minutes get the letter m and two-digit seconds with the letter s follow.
6h53
